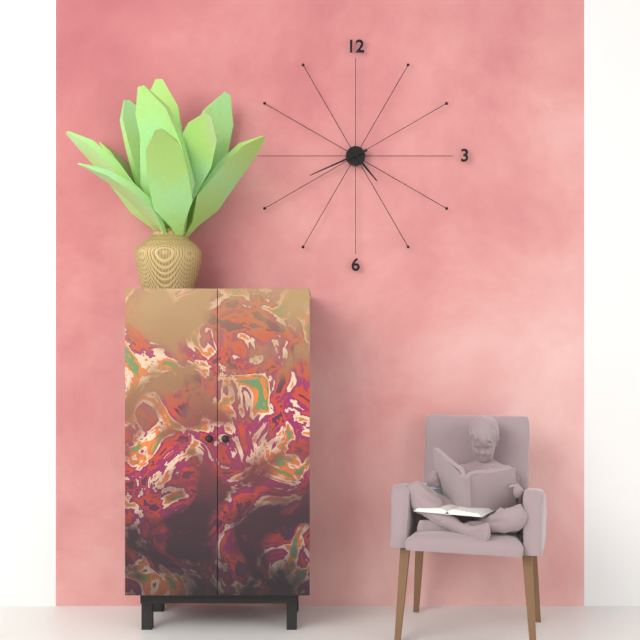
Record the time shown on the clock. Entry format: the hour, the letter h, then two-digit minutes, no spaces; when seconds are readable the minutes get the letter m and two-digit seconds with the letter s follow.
4h41
